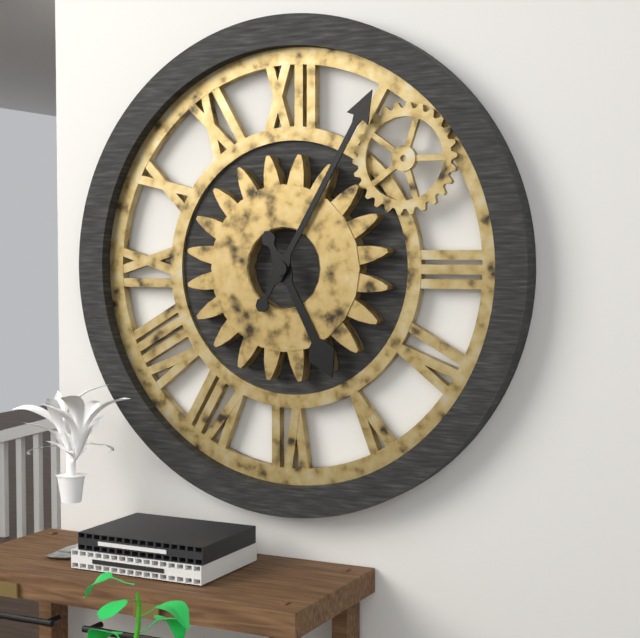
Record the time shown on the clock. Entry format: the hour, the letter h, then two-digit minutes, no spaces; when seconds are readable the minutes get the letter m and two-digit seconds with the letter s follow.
5h05
